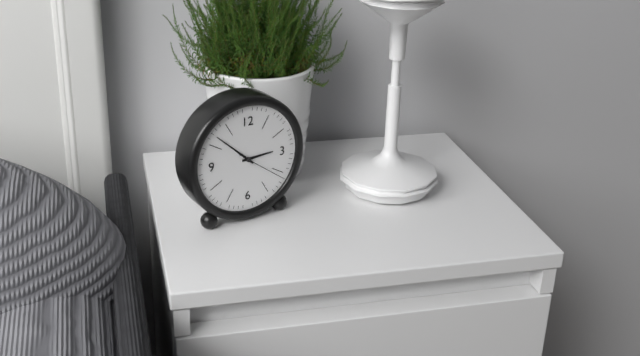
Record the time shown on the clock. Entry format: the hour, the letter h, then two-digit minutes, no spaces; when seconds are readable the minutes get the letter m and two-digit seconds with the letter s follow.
2h52
